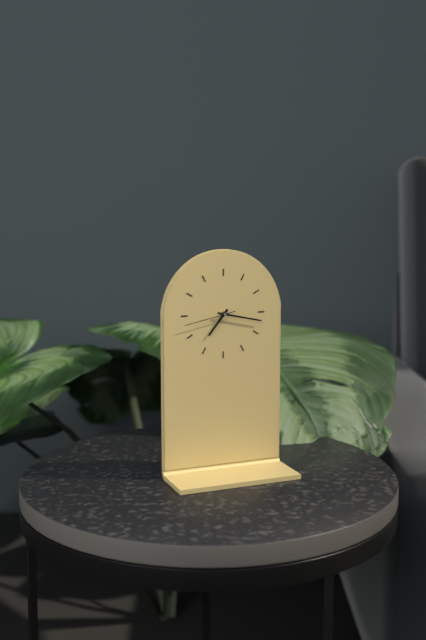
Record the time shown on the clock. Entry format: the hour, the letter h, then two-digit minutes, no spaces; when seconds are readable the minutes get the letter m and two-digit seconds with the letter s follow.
7h17m43s
